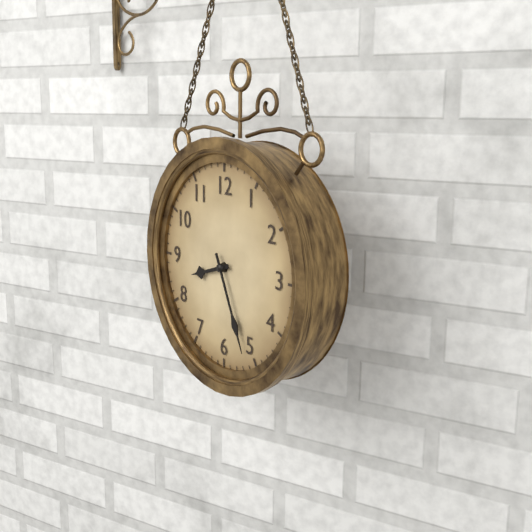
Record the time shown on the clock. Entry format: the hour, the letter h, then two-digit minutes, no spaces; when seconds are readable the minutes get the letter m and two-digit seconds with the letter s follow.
8h26
